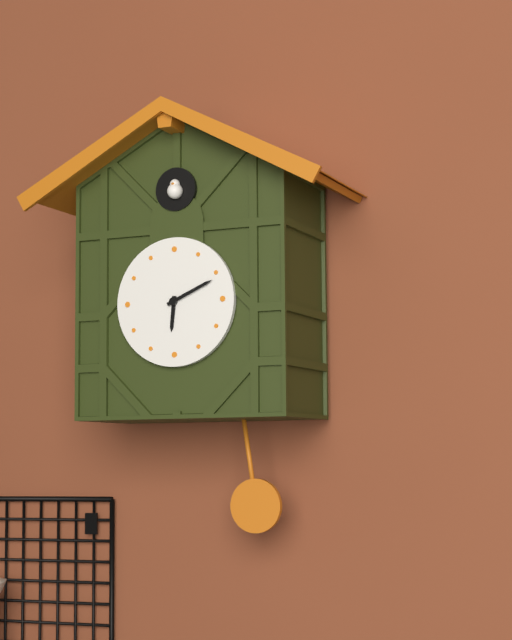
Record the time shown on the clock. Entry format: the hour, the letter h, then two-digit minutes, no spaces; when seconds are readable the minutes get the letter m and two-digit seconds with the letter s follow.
6h11
